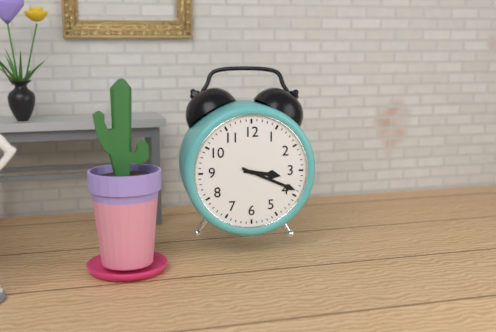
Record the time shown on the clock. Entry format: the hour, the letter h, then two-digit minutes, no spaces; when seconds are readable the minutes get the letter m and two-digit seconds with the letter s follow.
3h19
